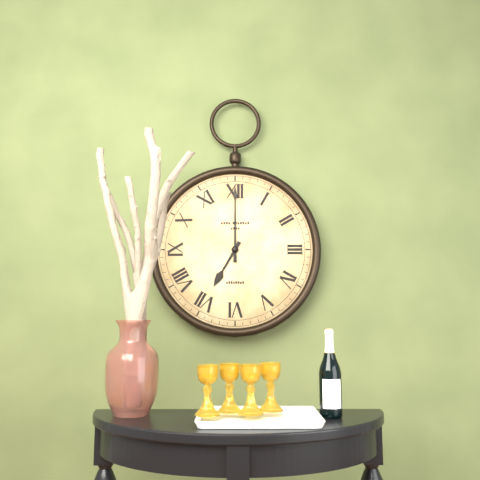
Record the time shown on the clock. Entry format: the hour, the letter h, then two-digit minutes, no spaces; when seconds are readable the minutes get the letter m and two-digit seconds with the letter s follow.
7h00
